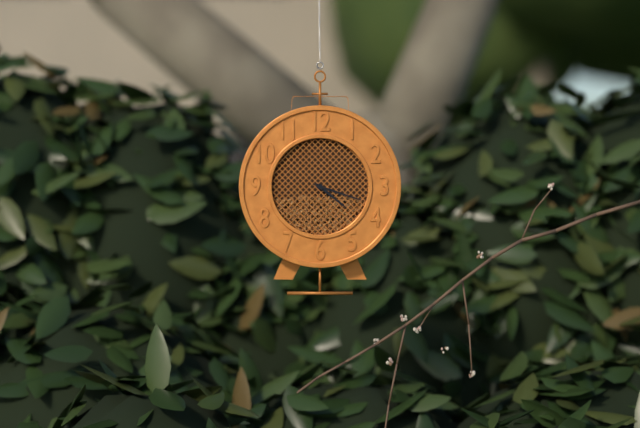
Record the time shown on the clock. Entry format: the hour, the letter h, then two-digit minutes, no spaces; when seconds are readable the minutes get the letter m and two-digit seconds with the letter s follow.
4h18
